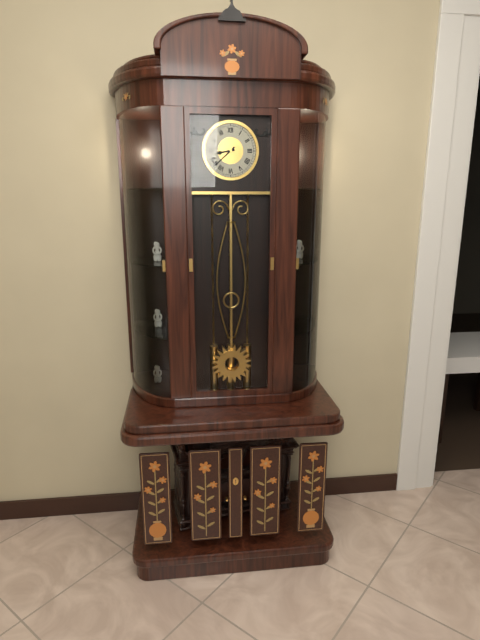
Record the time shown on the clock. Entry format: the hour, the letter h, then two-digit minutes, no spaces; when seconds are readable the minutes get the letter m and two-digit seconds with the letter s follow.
8h38
